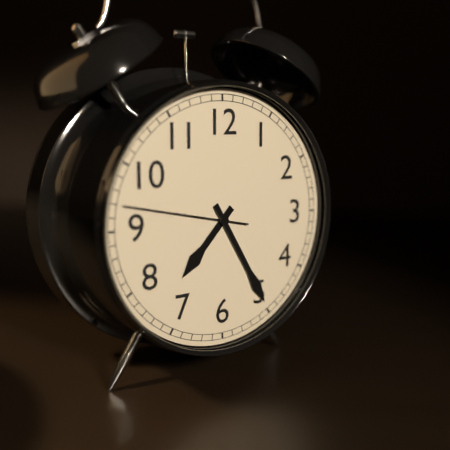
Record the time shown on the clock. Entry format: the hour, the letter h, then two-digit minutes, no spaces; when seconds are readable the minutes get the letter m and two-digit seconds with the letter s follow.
7h25m47s
